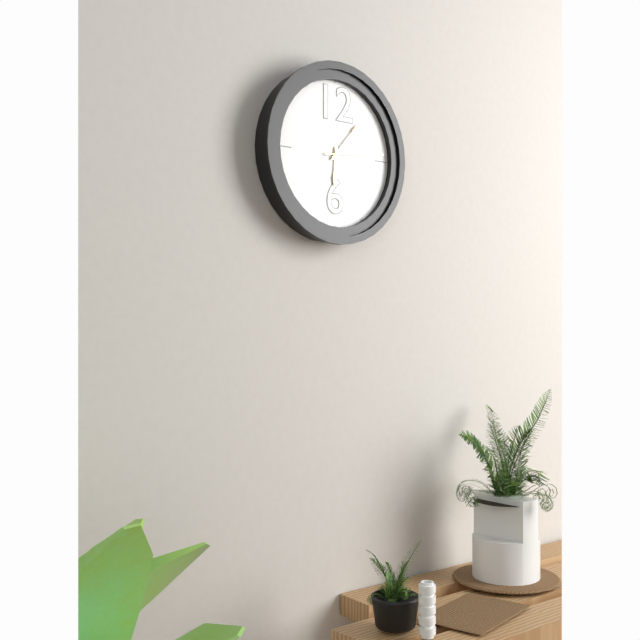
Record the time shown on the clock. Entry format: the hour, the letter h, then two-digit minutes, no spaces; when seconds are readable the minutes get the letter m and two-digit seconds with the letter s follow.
6h07m14s
